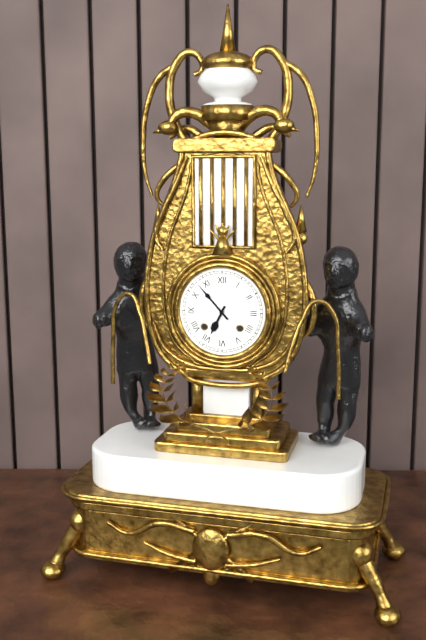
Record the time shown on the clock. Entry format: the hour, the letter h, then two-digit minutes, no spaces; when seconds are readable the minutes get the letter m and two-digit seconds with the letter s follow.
6h53
